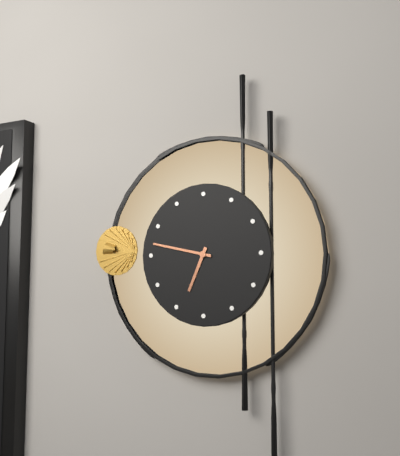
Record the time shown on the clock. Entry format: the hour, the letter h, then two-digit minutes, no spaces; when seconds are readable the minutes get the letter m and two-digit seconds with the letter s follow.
6h47
